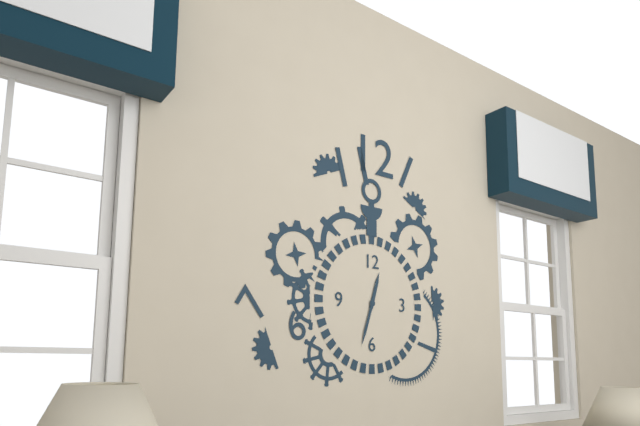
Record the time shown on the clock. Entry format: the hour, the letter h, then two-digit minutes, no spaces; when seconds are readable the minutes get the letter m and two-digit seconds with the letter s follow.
12h33
